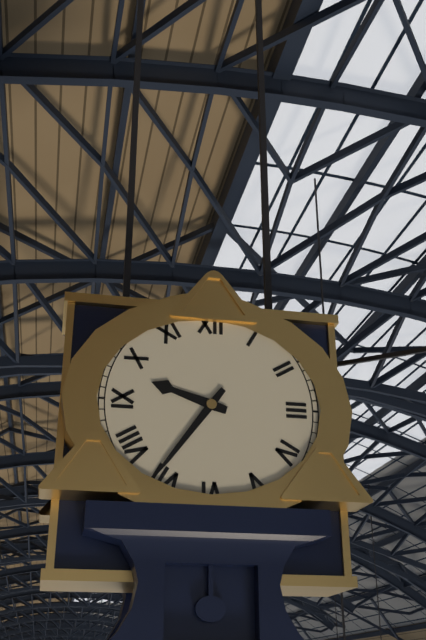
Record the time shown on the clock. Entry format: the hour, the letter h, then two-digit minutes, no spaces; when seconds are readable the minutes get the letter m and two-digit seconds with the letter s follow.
9h36
